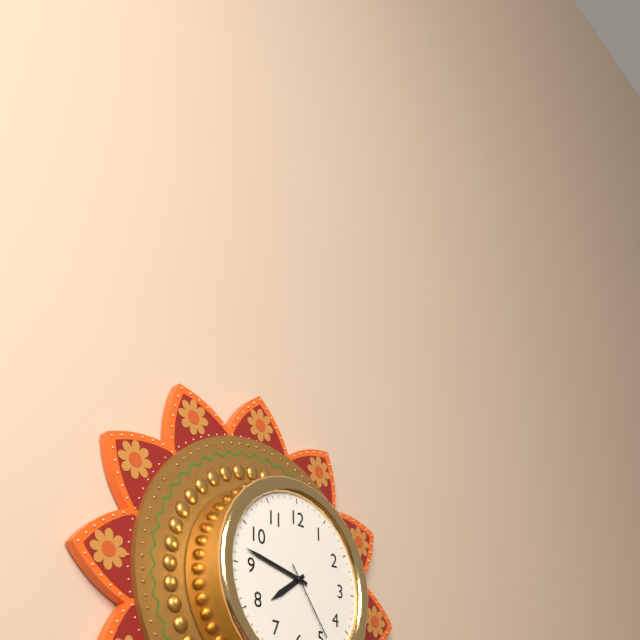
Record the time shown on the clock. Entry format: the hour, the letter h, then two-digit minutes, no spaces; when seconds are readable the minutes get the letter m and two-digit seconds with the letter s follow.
7h47m24s
